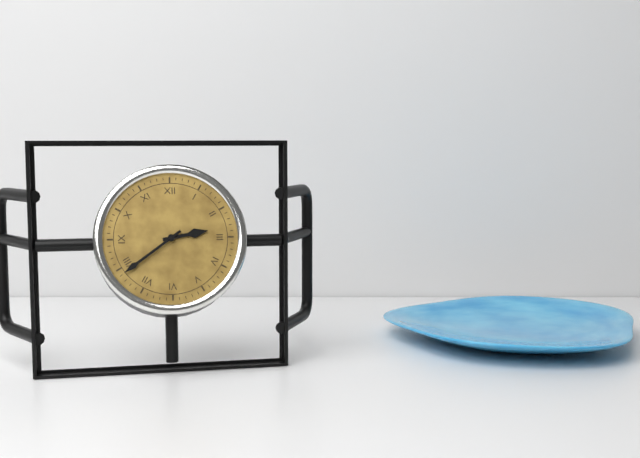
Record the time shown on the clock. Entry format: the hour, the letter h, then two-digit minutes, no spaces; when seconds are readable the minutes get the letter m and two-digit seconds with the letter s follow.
2h39
